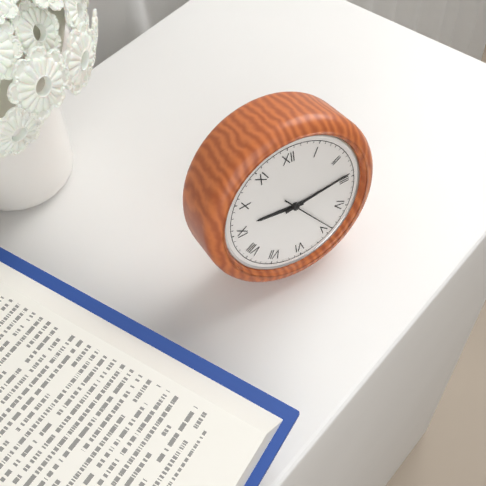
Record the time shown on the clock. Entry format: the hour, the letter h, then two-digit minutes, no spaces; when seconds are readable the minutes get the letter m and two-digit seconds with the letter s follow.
9h14m24s
